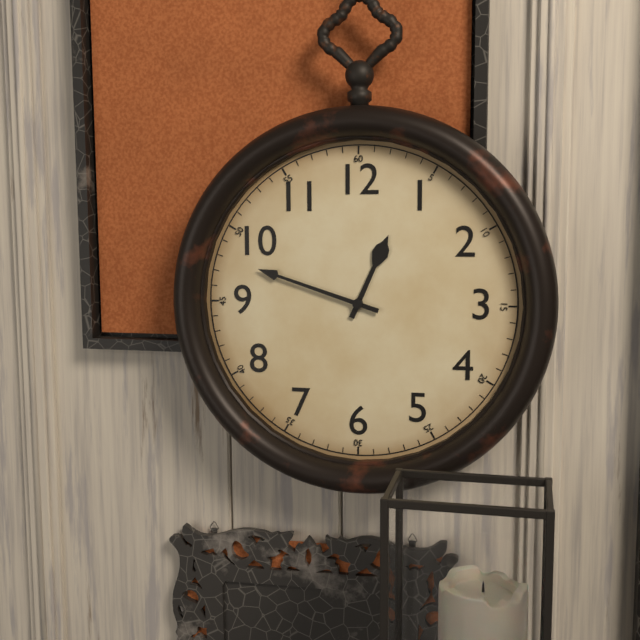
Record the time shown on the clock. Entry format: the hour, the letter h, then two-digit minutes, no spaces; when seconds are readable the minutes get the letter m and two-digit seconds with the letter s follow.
12h48
